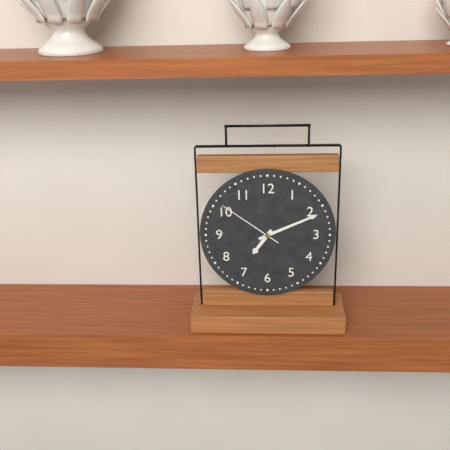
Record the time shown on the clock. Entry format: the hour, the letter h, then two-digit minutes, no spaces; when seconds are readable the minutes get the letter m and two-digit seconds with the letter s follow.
7h11m51s
